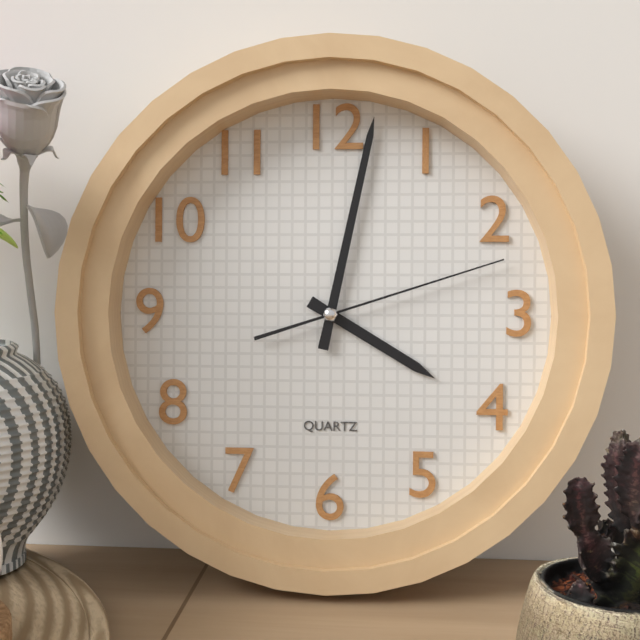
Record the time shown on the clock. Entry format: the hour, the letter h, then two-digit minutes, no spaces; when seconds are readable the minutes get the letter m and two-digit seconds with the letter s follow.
4h02m12s
